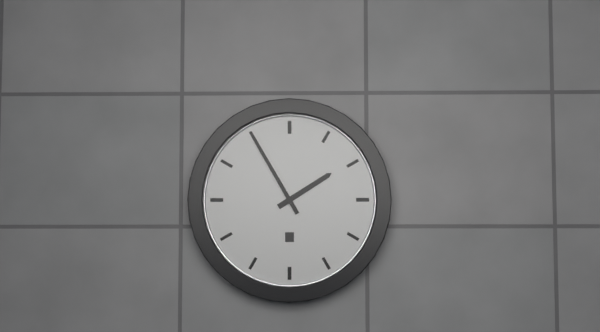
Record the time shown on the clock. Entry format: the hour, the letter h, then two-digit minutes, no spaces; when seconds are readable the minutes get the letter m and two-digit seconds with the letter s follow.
1h55
